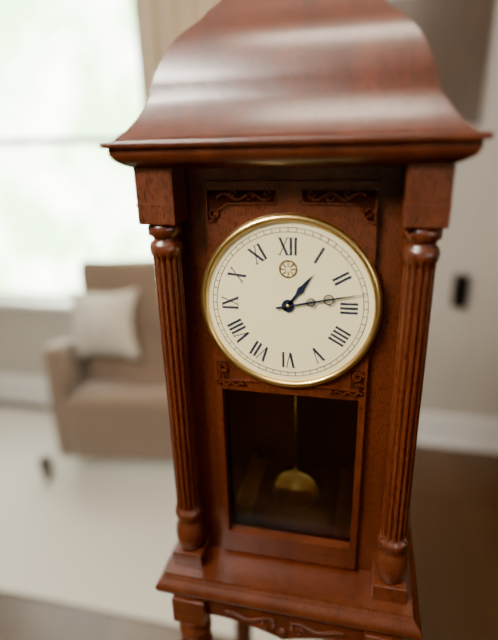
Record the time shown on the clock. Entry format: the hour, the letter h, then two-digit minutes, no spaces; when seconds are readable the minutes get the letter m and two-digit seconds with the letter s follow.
1h13
